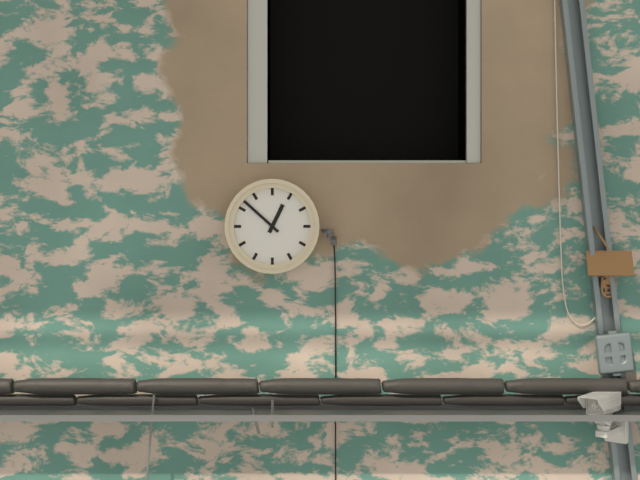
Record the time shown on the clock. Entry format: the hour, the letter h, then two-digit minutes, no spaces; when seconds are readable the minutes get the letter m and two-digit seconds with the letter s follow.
12h52
